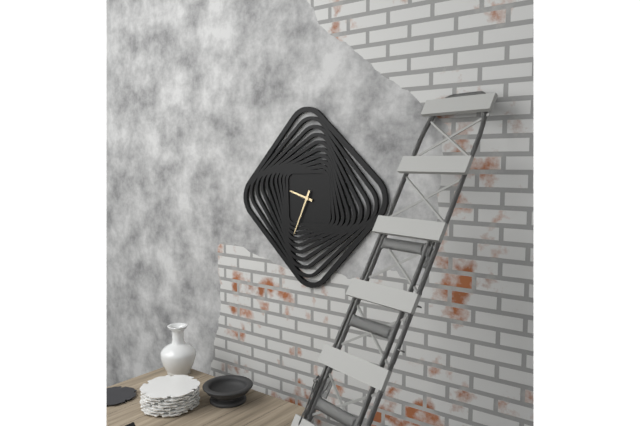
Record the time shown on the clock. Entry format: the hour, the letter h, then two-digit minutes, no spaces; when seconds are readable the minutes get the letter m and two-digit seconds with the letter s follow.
9h34
